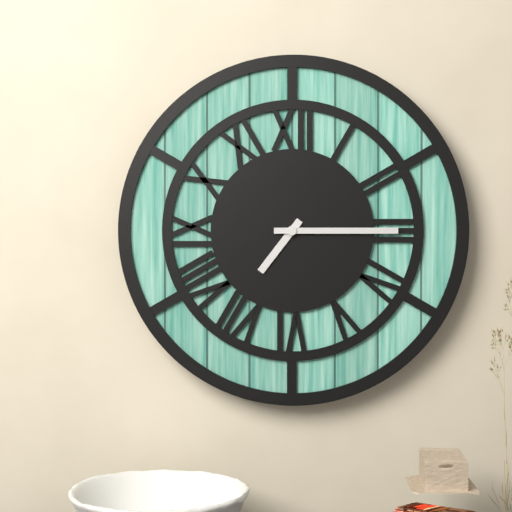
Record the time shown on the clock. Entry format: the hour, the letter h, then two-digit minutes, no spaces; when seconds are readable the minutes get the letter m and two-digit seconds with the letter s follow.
7h15
